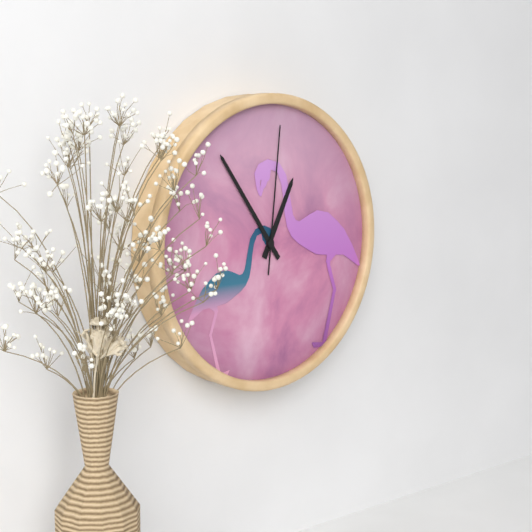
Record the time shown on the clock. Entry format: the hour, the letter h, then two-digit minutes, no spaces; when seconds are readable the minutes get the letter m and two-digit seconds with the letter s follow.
12h54m01s
